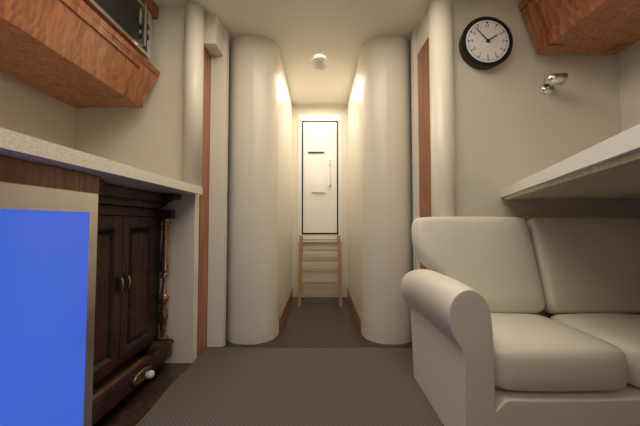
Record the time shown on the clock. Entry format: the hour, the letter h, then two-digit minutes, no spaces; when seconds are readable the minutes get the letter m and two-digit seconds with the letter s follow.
1h53
